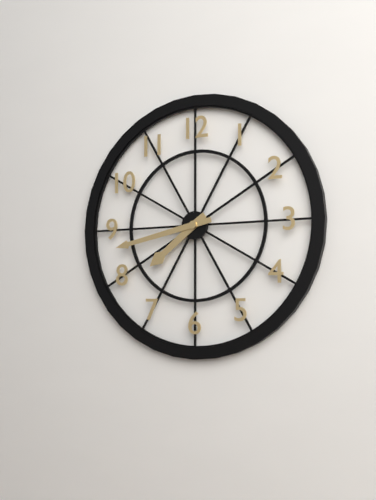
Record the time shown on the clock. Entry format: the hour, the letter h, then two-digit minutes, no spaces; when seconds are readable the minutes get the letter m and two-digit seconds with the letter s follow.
7h43
